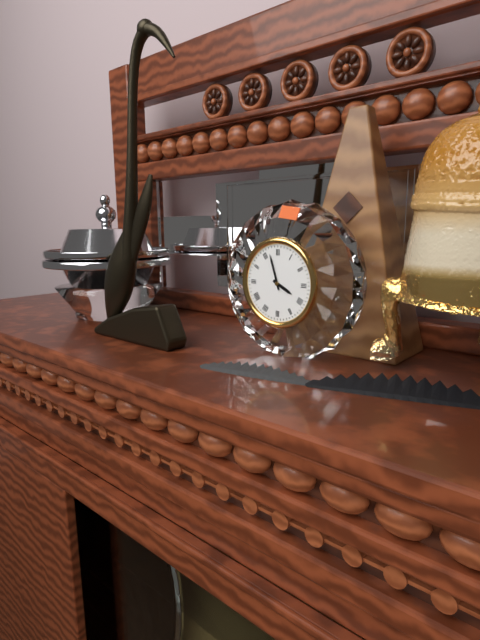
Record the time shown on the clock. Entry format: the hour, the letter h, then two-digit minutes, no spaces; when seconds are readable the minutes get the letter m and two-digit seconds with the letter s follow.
3h57
